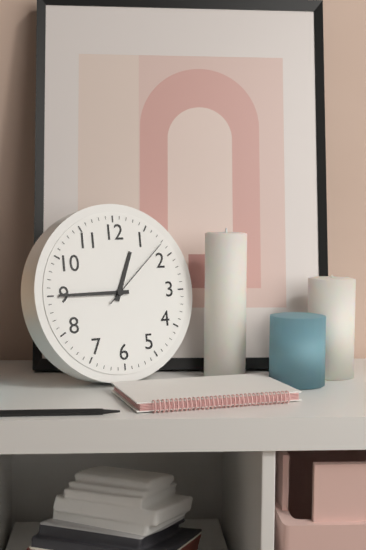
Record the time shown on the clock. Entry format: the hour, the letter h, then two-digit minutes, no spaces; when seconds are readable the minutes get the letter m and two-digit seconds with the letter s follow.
12h45m08s
